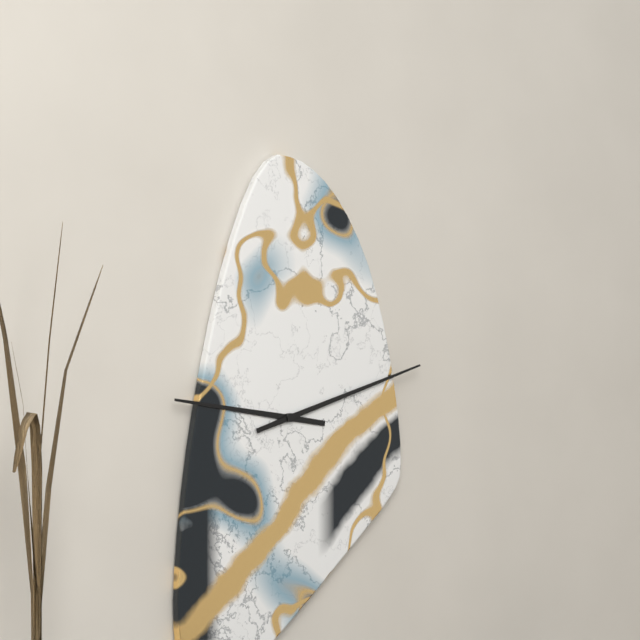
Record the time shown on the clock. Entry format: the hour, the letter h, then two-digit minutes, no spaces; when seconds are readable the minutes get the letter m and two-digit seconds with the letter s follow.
9h12
